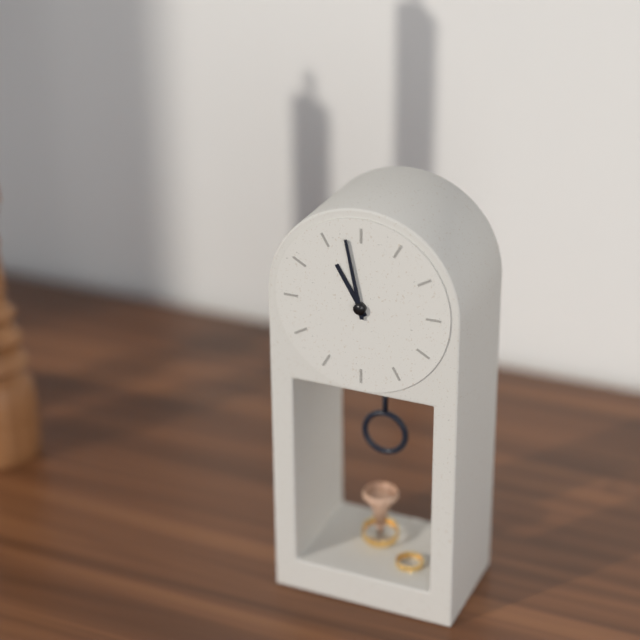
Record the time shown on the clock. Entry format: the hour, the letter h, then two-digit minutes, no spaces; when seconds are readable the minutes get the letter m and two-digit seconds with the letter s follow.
10h58
